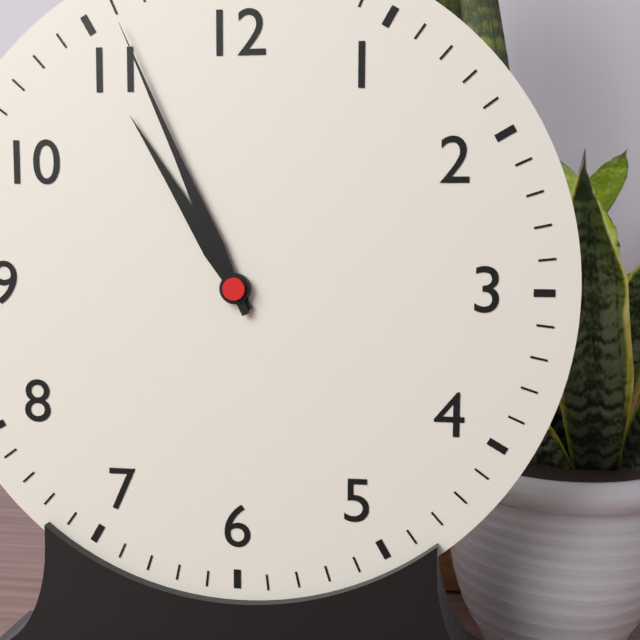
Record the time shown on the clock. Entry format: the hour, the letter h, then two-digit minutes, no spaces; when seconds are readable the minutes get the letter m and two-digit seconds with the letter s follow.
10h56
